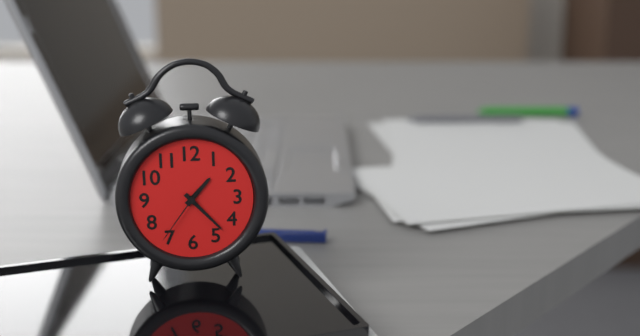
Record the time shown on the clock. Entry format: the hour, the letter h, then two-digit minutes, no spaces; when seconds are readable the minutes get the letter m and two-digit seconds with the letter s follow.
1h23m36s
